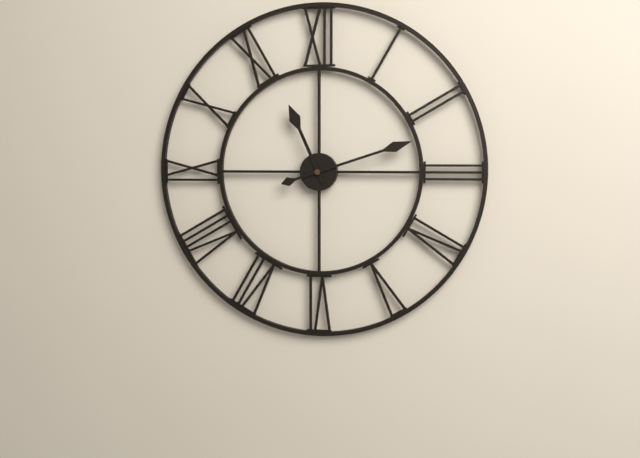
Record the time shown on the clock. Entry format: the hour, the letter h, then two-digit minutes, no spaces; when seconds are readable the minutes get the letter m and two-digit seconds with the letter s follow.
11h12
